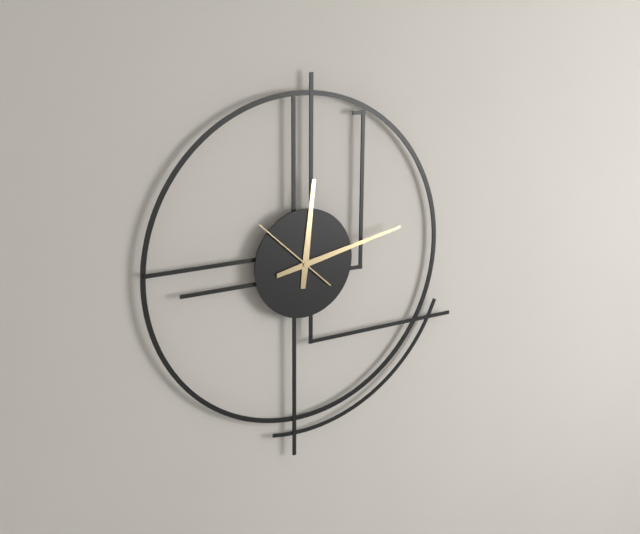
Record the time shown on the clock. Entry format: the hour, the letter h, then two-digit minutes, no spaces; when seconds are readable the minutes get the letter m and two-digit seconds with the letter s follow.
12h13m52s
